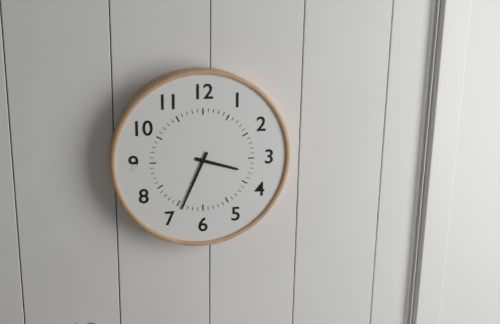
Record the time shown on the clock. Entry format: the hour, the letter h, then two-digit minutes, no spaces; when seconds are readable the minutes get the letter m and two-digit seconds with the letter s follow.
3h34
